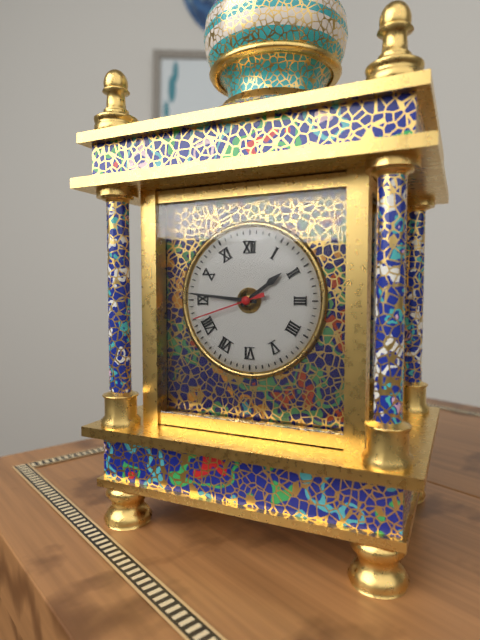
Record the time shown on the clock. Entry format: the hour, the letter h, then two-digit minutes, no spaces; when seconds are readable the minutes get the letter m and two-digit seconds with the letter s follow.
1h46m42s
